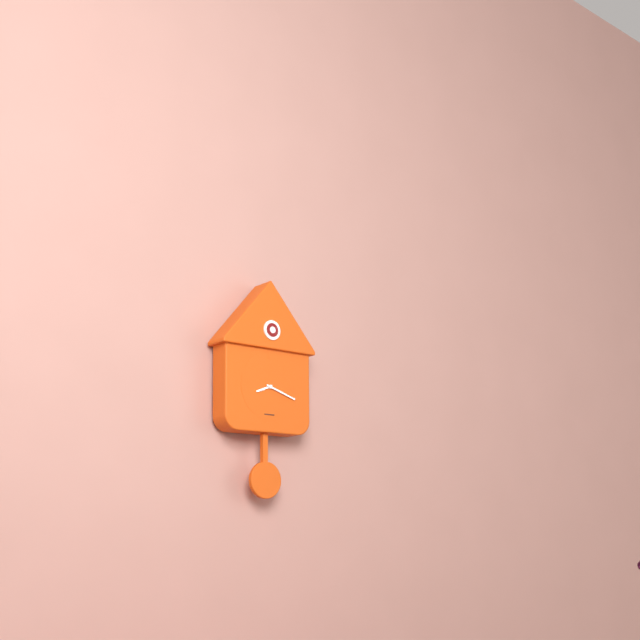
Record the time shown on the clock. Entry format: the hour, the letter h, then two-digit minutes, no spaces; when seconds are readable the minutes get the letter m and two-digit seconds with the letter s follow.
8h18
